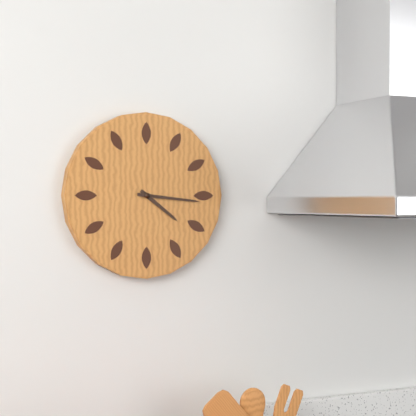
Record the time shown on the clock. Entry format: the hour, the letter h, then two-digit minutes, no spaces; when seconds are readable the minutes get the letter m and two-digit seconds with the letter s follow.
4h16
